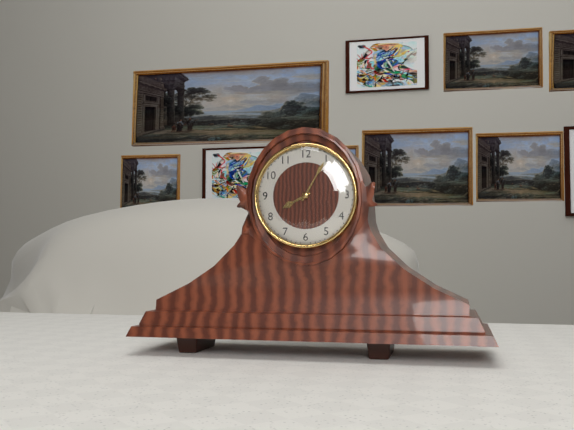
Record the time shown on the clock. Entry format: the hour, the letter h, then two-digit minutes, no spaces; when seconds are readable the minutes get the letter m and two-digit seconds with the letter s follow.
8h05
